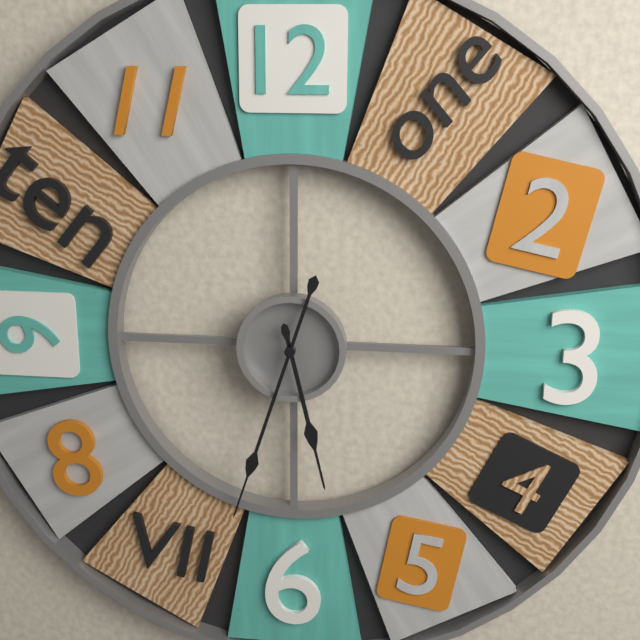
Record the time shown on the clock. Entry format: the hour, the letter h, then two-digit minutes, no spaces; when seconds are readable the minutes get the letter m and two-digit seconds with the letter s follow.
5h33
